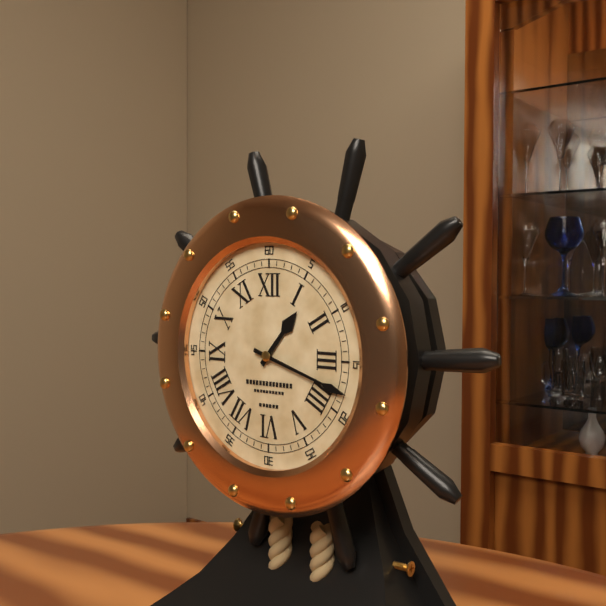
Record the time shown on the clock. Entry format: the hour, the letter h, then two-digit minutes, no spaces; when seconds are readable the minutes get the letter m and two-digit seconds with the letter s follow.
1h18
